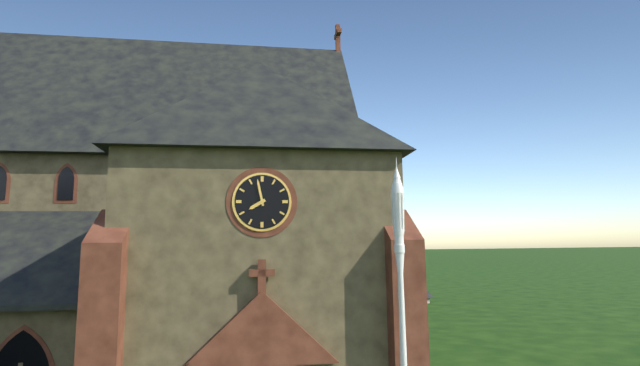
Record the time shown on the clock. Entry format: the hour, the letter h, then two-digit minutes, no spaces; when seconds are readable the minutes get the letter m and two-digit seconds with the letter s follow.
7h58
